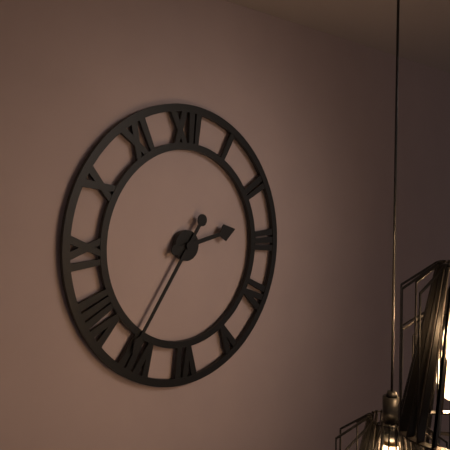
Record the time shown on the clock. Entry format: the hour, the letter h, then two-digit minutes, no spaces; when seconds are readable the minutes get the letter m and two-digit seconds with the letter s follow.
2h36
